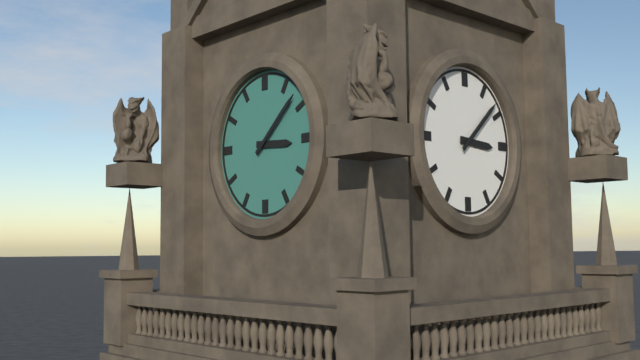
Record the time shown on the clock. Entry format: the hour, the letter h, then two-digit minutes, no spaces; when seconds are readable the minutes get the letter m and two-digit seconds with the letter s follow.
3h08
